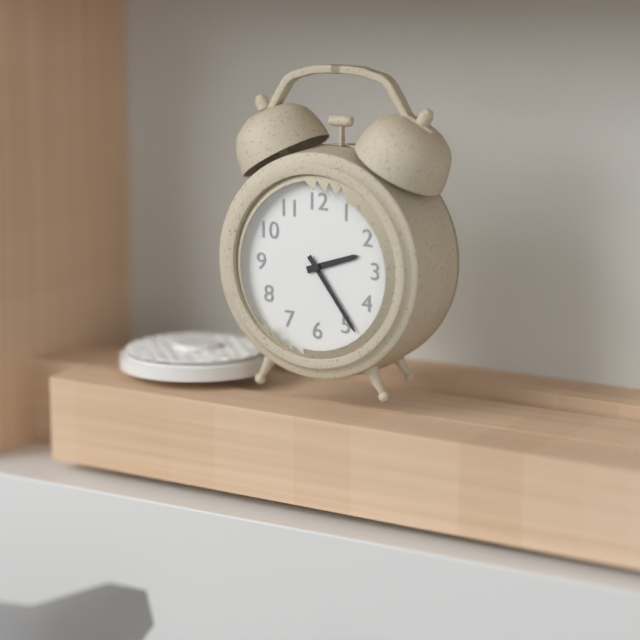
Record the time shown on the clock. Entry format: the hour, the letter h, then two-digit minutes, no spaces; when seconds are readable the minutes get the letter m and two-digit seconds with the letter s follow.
2h24
